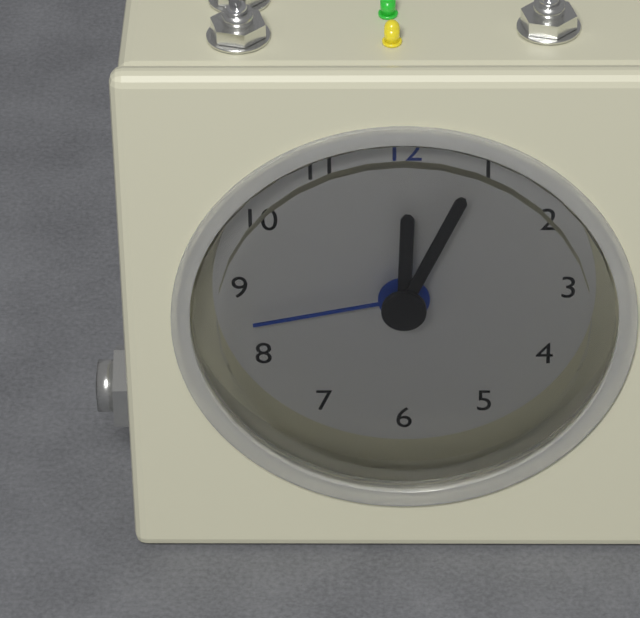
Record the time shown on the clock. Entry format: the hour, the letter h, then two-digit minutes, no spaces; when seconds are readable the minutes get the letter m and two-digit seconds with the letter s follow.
12h04m43s
